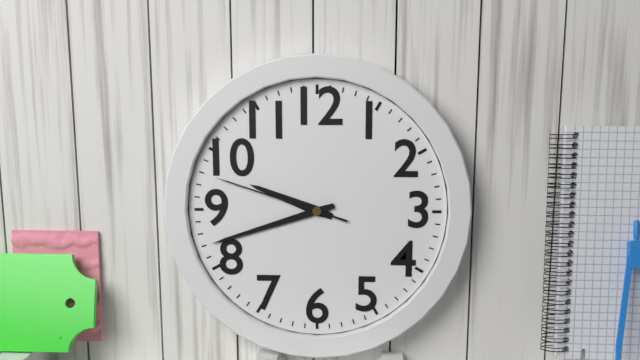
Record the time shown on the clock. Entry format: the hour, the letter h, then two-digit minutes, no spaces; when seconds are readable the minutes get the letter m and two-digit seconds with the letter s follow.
9h42m48s
